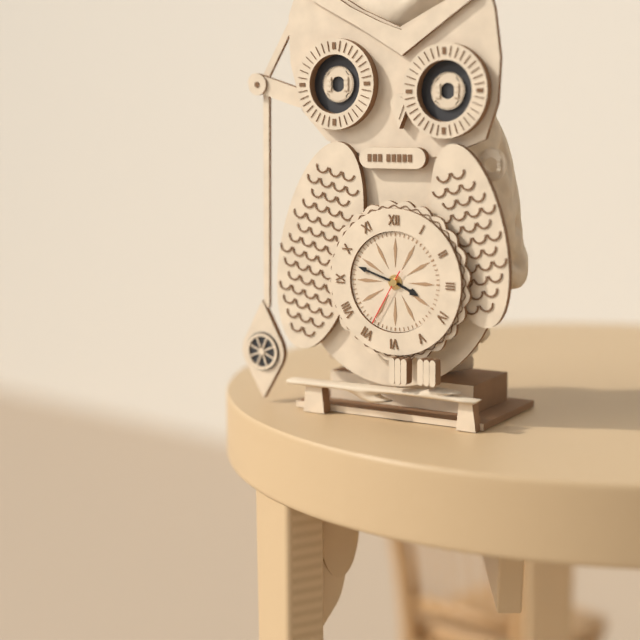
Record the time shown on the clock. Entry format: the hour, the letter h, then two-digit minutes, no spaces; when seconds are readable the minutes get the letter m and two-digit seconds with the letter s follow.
3h48m35s
